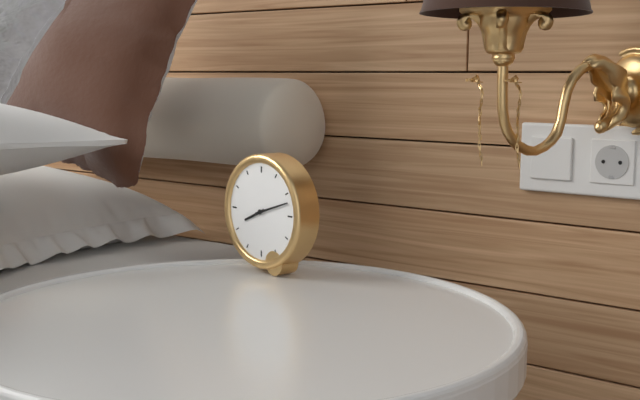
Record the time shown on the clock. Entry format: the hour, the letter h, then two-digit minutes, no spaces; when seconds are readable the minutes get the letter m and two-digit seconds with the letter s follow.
8h12
